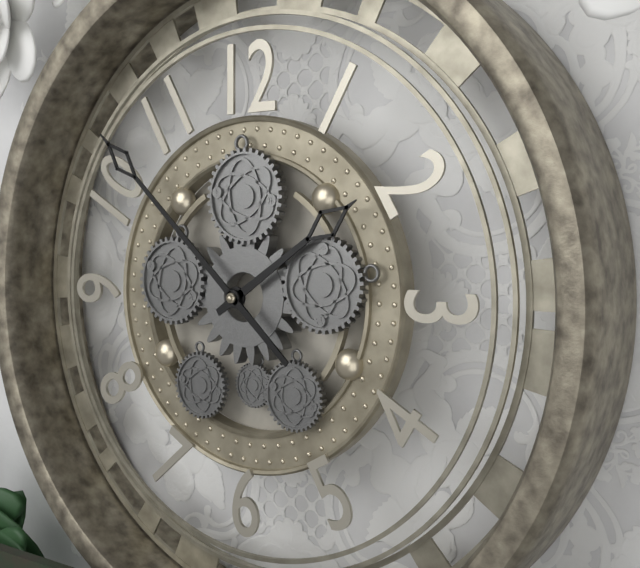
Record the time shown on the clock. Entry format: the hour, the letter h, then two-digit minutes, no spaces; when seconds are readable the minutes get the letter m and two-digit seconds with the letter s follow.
1h52
